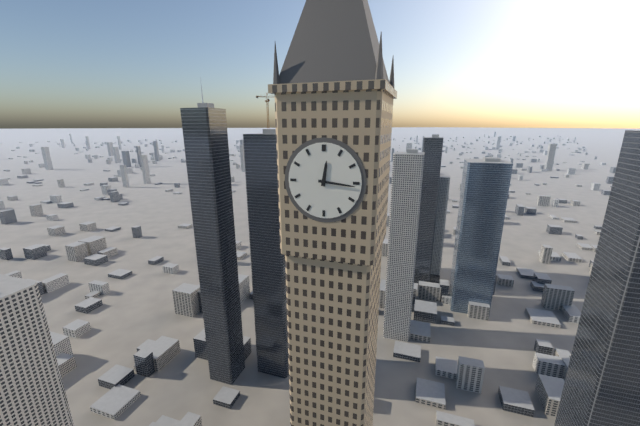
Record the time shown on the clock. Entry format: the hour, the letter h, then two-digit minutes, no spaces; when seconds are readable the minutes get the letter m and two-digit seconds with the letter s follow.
12h16
